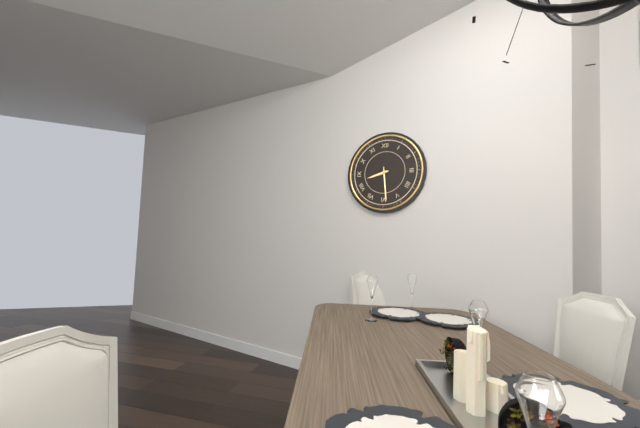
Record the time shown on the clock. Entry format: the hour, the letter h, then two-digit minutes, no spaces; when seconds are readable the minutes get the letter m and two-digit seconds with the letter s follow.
8h29
